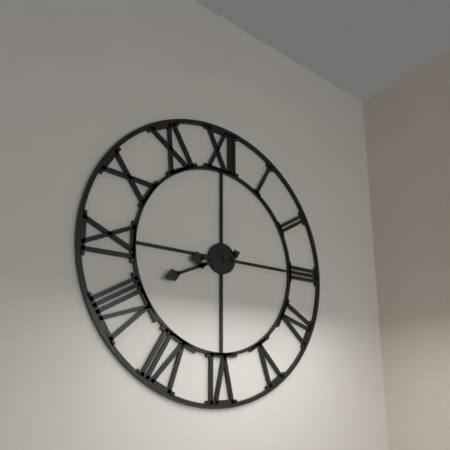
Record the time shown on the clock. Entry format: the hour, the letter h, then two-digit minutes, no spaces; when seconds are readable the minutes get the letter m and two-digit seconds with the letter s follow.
8h41
